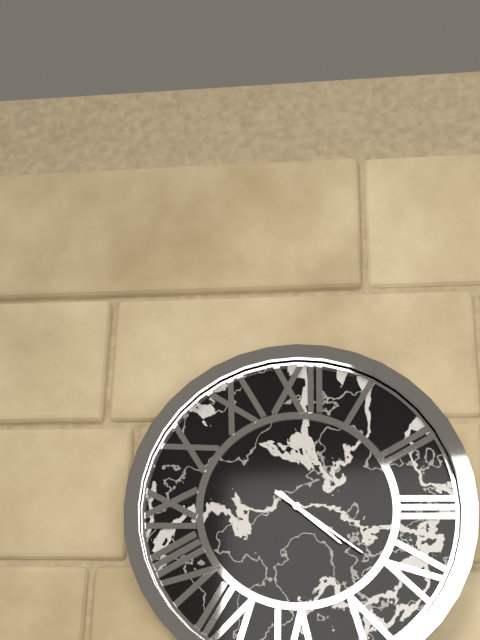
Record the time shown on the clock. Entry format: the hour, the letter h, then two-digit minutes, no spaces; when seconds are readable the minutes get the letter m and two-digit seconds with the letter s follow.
4h21
